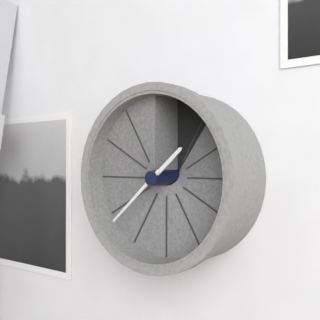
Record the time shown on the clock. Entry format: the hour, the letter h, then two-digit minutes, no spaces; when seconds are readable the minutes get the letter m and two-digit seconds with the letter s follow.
1h38
